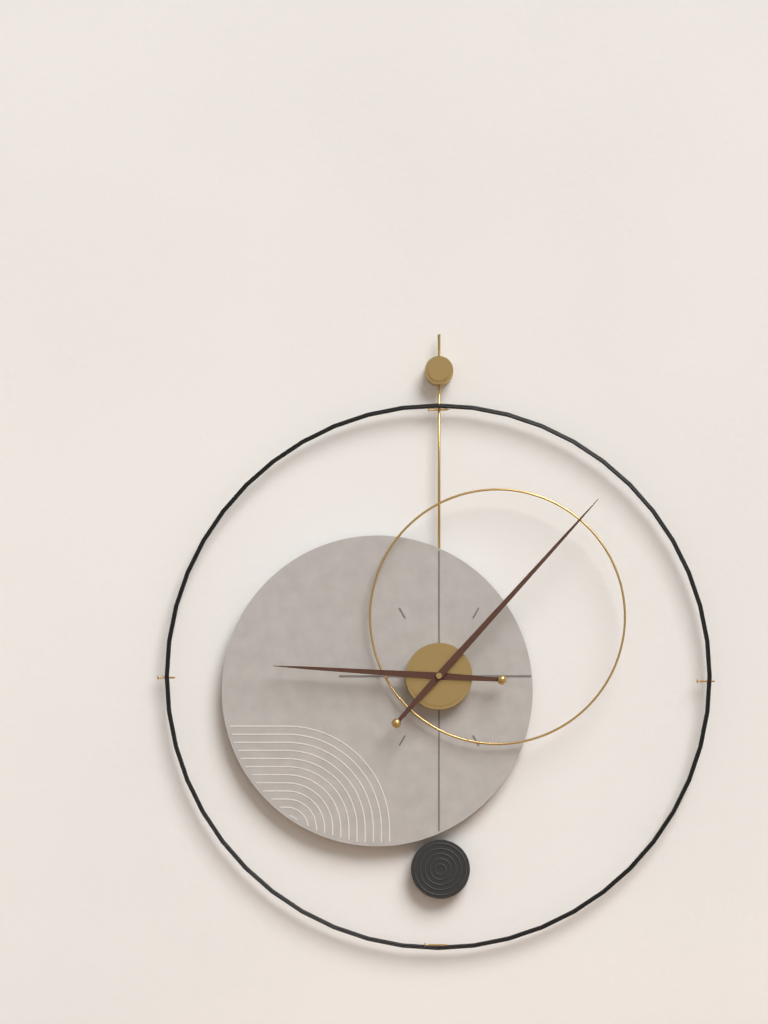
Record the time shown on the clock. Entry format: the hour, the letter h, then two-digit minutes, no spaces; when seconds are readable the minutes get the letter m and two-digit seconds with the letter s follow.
9h07
